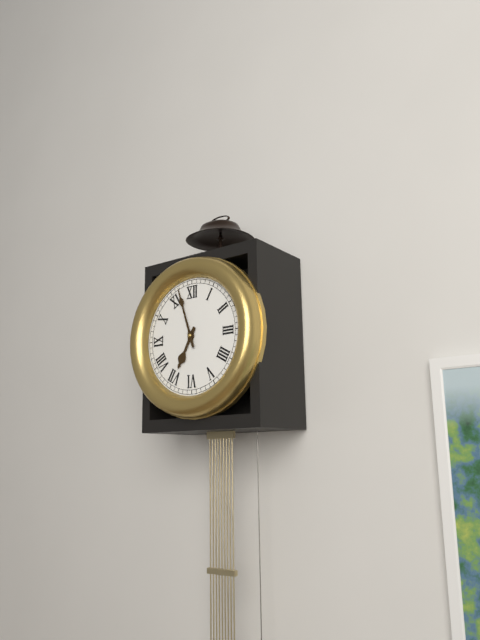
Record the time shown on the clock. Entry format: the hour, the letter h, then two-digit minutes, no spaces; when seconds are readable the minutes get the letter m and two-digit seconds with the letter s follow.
6h57
